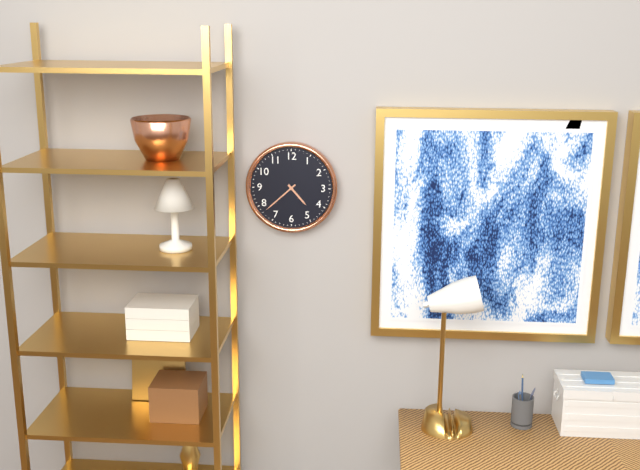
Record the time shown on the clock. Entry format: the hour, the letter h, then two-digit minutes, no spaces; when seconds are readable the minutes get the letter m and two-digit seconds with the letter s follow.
4h38
